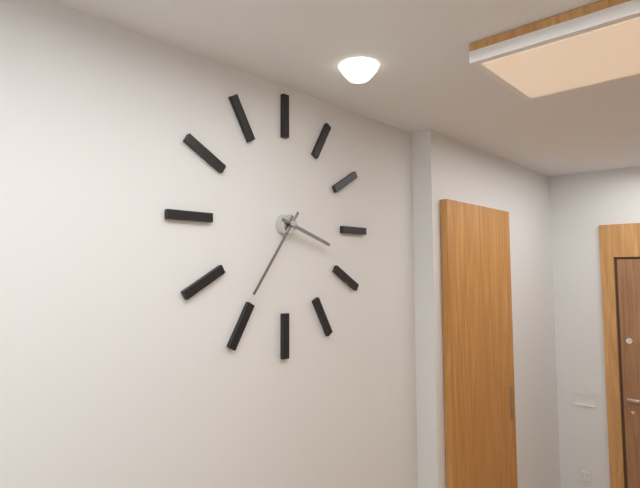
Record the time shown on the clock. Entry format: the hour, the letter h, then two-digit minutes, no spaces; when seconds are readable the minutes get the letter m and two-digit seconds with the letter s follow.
3h36
